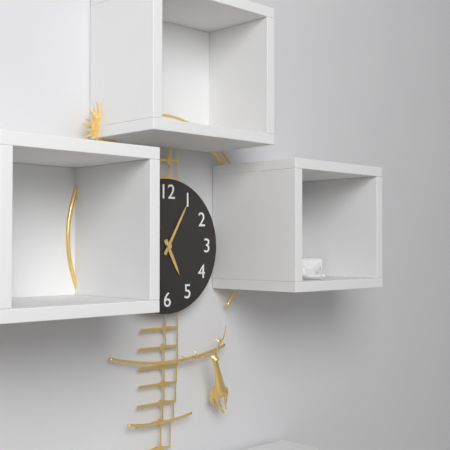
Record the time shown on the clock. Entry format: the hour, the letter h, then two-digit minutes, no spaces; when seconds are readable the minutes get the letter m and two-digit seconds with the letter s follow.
5h05
